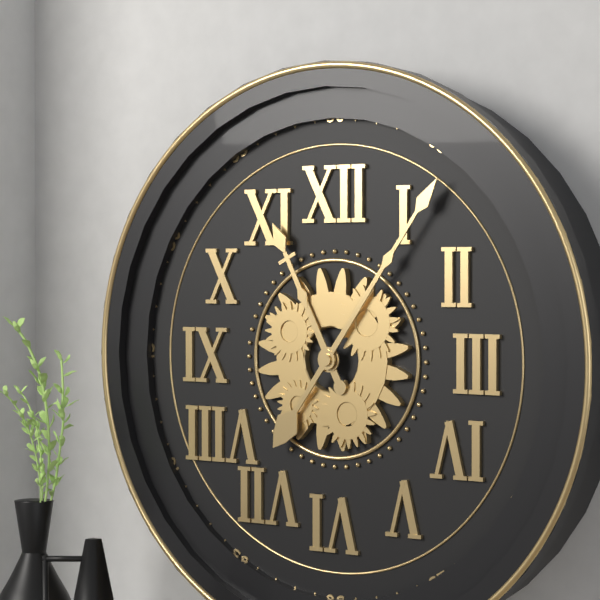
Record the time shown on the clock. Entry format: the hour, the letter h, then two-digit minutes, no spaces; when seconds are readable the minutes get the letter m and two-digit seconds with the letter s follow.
11h06
